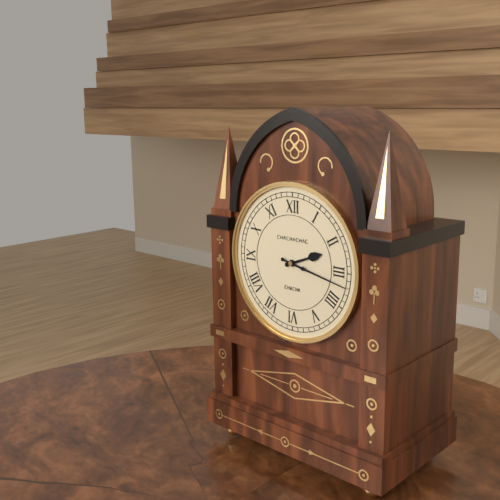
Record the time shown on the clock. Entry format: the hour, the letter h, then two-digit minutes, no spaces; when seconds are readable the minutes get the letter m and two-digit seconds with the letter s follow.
2h17
